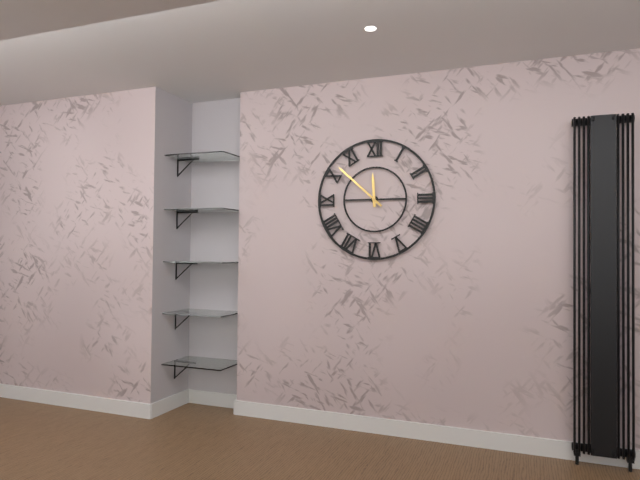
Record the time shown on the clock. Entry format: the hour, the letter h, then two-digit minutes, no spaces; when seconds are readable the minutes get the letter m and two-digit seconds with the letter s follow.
11h52
